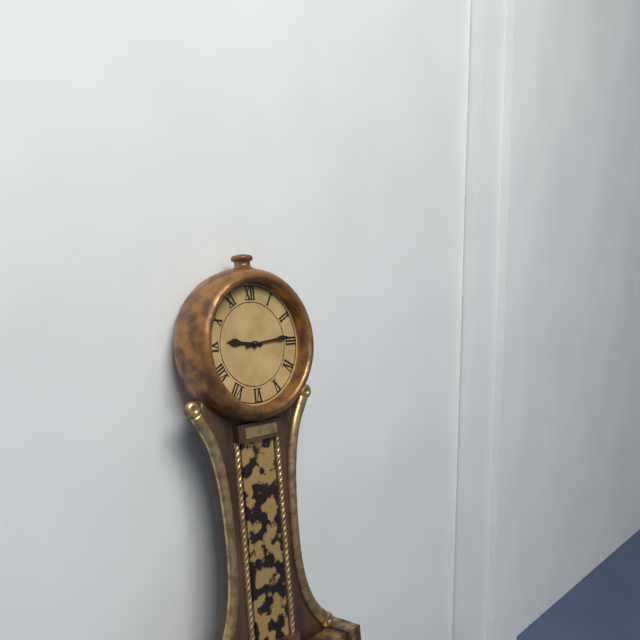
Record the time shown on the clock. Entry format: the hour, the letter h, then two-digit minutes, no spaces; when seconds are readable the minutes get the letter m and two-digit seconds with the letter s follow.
9h14
